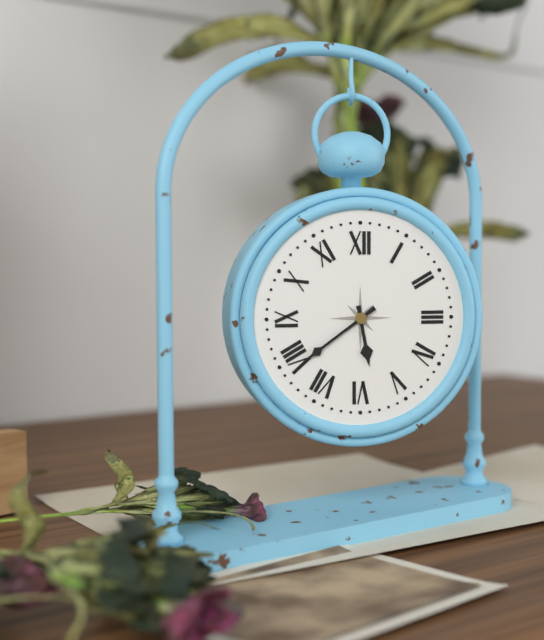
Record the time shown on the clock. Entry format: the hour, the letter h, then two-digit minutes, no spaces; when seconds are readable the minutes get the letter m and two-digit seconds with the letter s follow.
5h39
